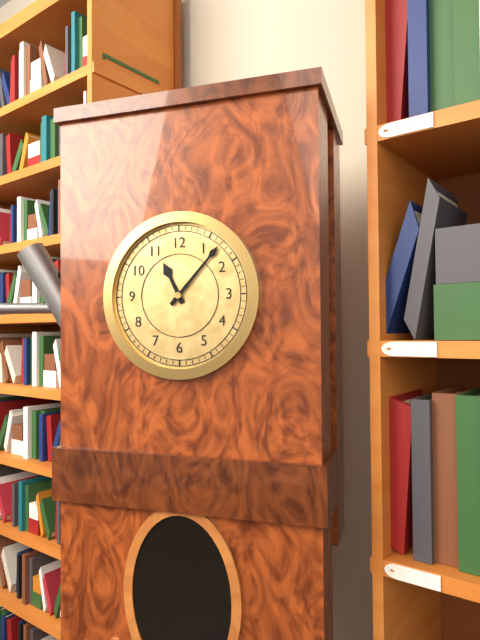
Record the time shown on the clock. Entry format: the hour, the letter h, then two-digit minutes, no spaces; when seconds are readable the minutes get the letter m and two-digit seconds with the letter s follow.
11h07
